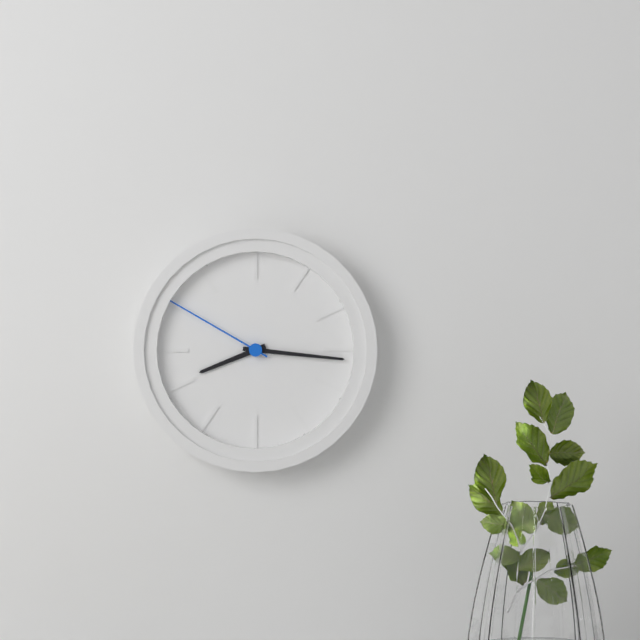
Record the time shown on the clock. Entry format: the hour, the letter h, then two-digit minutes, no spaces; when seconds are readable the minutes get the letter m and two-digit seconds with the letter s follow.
8h16m50s
